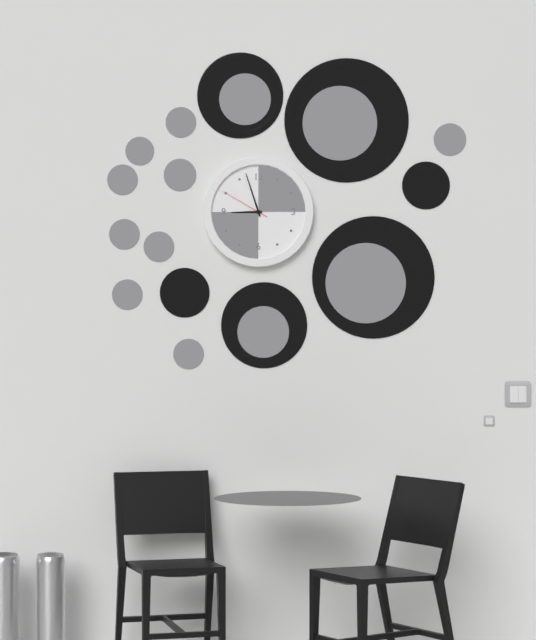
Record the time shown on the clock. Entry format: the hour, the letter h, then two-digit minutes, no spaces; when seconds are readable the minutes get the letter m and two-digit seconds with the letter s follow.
8h57m50s
